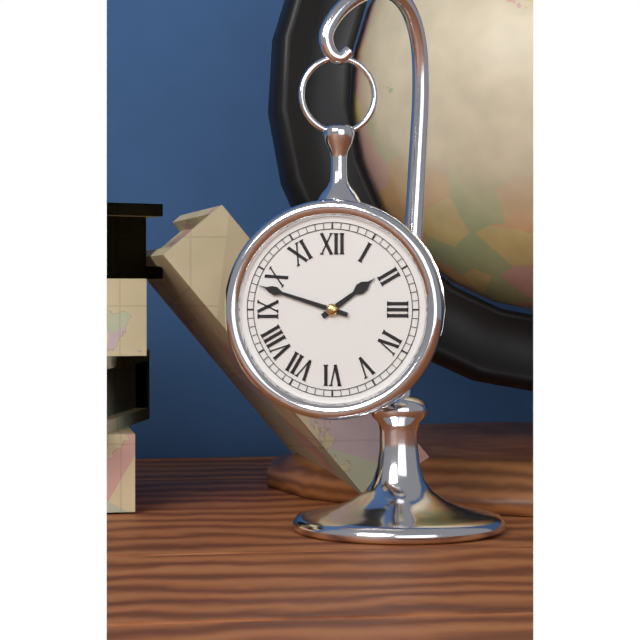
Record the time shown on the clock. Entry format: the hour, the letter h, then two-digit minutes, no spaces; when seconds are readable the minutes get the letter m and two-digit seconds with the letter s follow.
1h48
